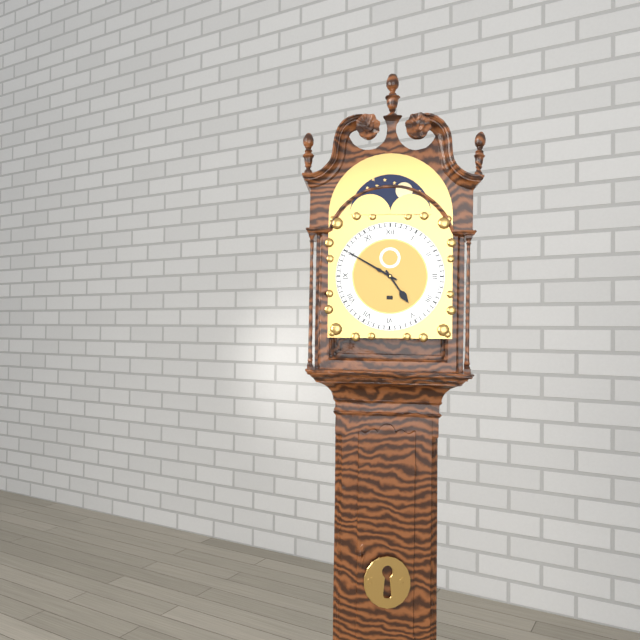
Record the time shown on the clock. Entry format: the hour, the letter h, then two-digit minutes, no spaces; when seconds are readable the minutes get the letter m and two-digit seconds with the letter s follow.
4h50
